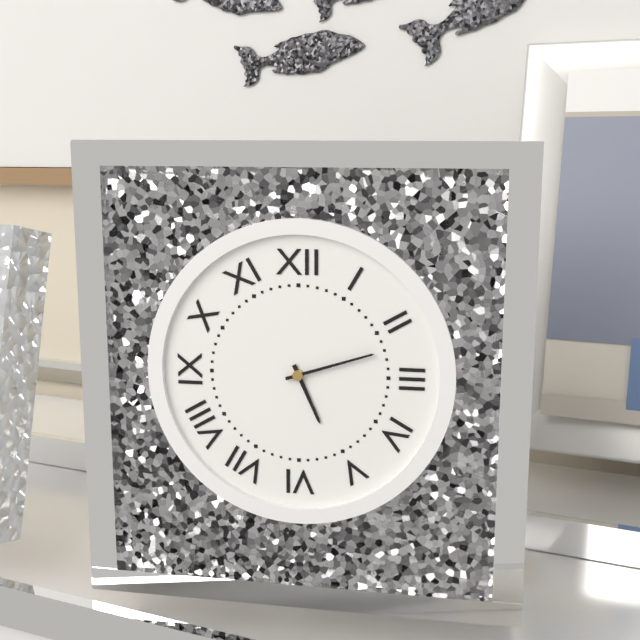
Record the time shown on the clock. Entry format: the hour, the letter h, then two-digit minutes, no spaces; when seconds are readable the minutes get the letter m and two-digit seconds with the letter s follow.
5h12
